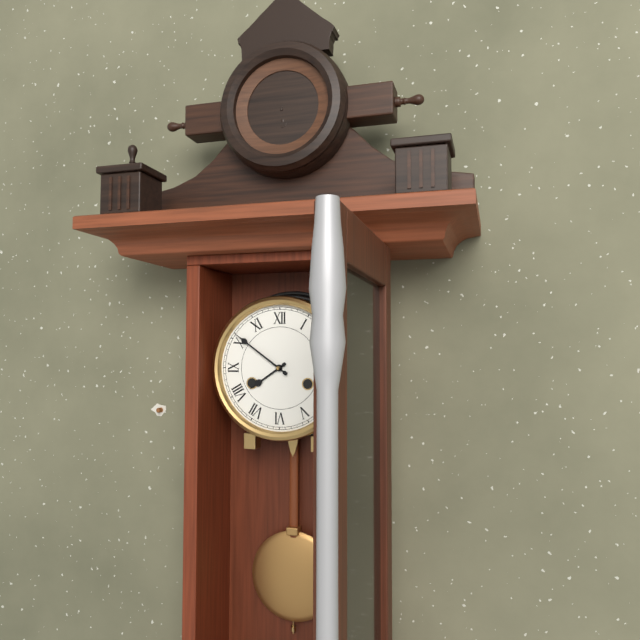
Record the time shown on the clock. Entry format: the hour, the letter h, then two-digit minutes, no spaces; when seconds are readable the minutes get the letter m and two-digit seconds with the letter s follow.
7h51
